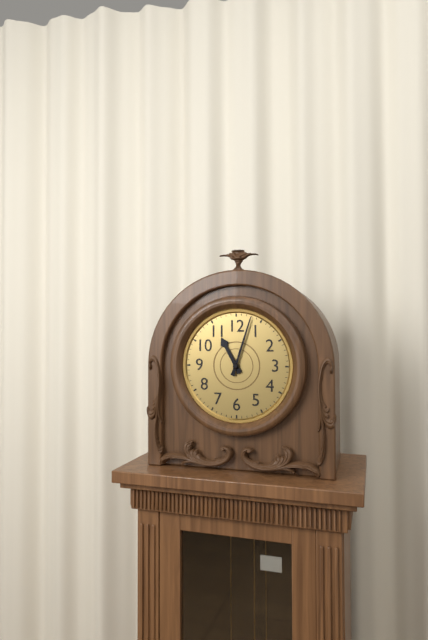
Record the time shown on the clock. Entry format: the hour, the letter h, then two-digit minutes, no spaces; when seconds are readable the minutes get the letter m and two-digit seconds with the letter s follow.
11h03
